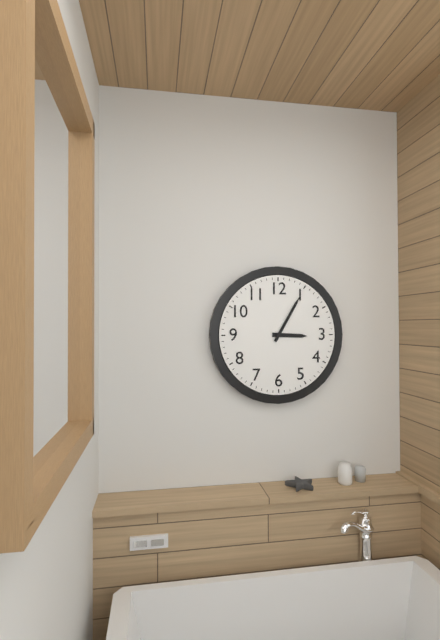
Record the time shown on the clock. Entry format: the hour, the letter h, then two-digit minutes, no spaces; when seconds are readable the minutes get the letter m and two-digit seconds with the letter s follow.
3h05
